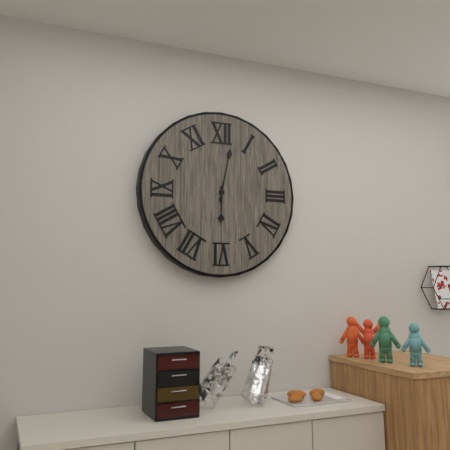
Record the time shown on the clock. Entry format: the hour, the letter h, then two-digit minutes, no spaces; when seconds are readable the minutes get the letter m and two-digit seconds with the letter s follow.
6h02
